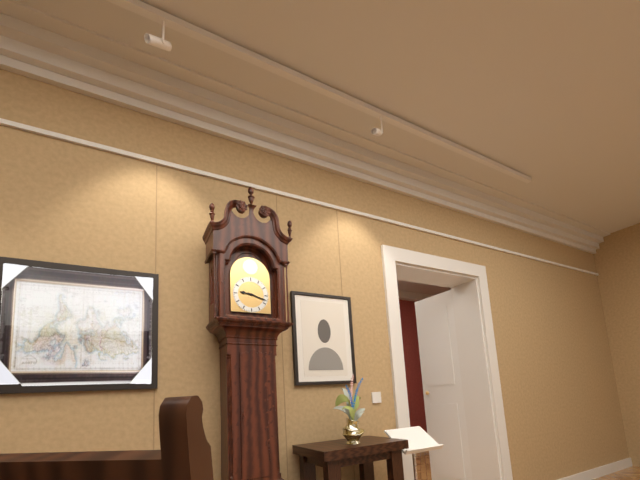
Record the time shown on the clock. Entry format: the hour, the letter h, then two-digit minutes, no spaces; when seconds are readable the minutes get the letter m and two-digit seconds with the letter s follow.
9h18
